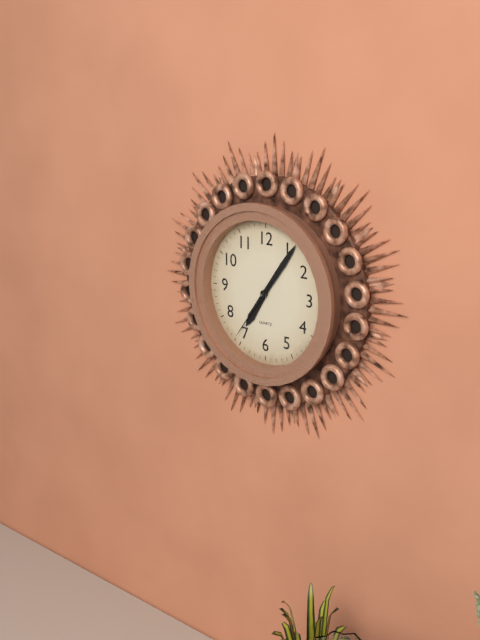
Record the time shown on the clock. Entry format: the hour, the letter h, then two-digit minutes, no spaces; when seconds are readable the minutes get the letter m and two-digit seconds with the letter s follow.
7h06m36s
